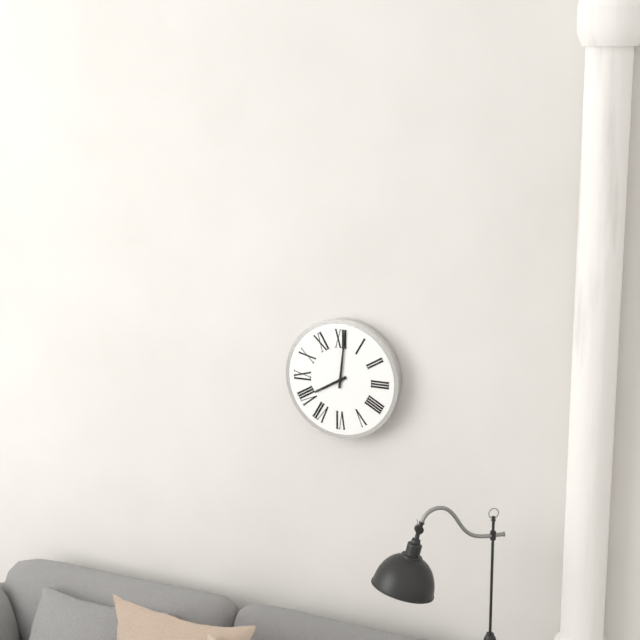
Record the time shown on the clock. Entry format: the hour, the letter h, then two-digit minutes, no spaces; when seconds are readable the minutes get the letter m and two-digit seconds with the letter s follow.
8h01
